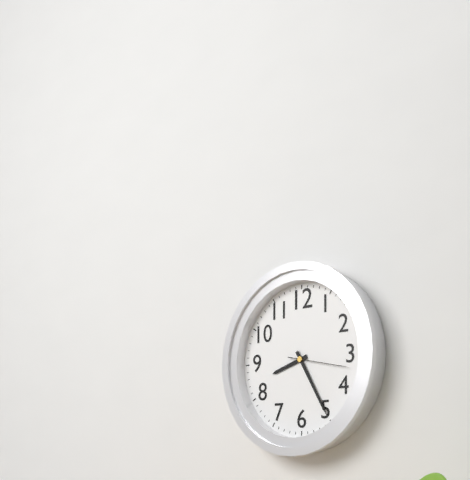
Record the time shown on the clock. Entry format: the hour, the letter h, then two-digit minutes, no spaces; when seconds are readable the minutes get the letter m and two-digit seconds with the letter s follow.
8h25m17s
